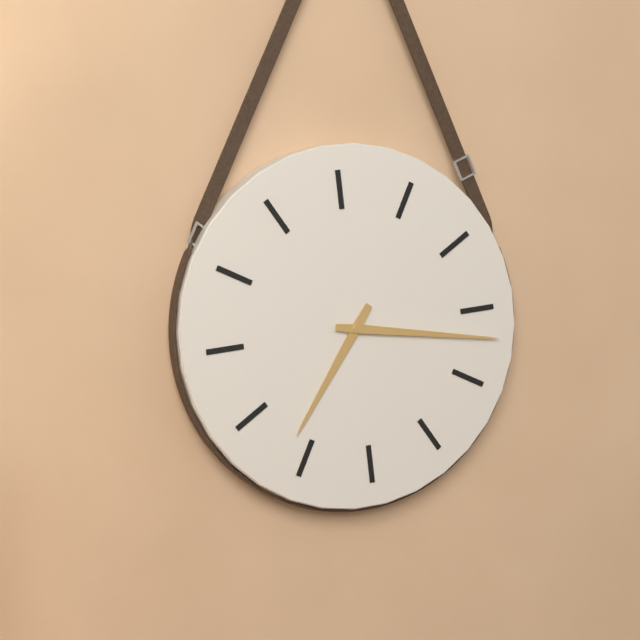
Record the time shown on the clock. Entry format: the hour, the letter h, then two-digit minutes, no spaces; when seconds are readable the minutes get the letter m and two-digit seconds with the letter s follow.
7h17
